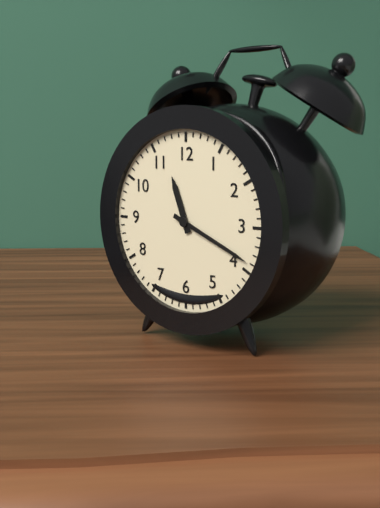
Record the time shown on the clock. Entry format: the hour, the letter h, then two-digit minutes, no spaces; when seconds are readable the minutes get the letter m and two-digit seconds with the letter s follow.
11h19
